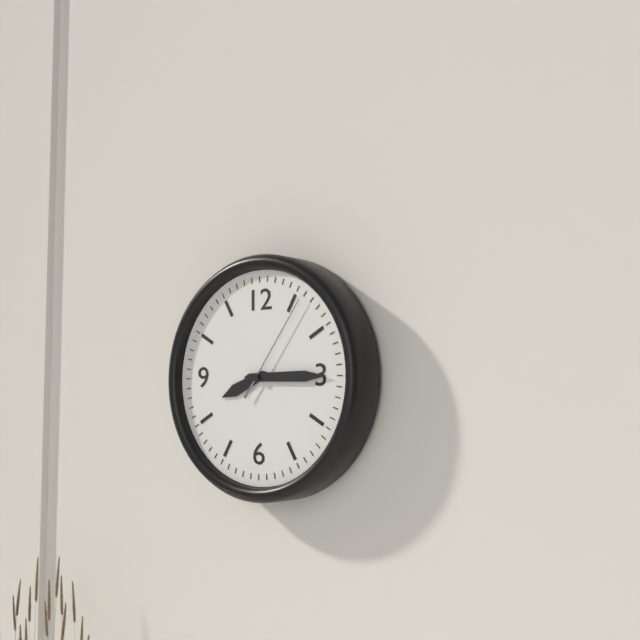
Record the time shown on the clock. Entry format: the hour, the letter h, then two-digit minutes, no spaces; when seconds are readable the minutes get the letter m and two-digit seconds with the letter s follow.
8h15m06s
